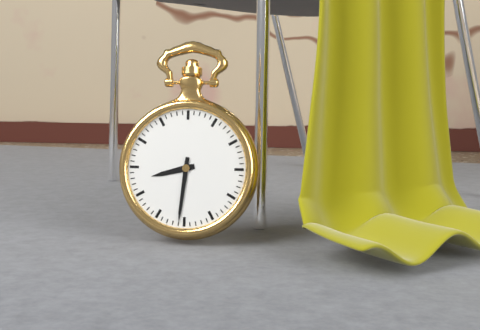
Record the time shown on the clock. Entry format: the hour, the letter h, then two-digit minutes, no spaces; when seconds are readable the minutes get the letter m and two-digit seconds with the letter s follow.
8h31
